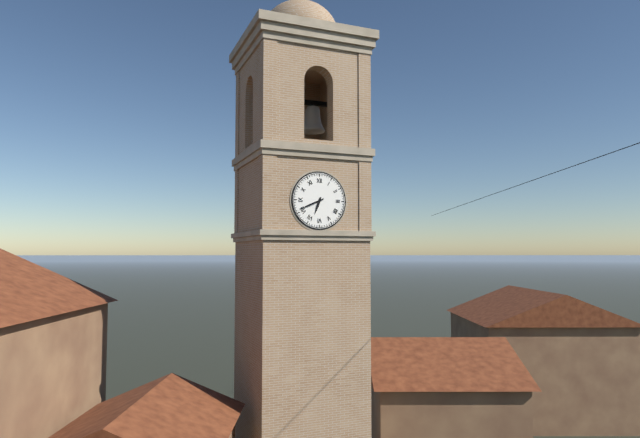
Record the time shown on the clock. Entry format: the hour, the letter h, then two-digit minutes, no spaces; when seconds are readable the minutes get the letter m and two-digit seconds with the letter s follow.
6h41
